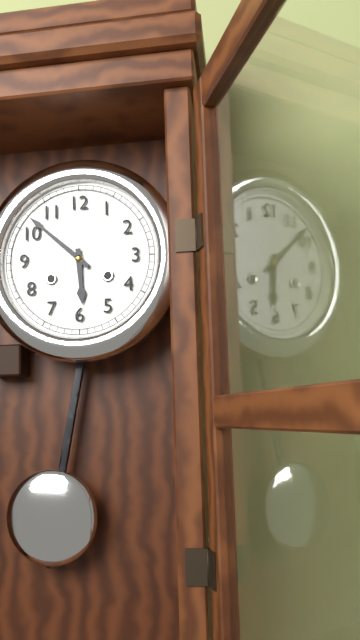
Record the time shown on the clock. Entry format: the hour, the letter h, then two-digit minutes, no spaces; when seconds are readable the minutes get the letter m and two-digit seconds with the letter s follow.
5h52
